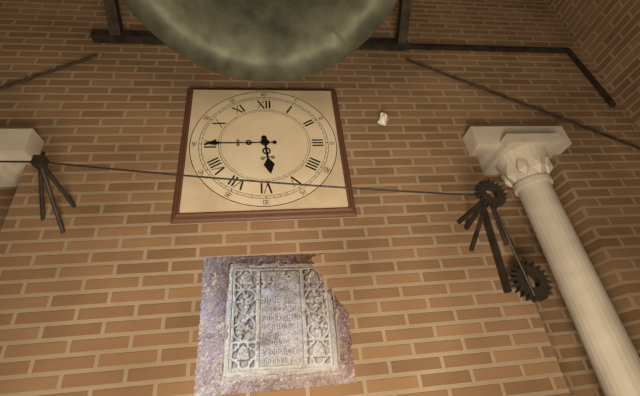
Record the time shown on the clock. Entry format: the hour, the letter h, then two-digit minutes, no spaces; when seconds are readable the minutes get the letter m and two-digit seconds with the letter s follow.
5h45
